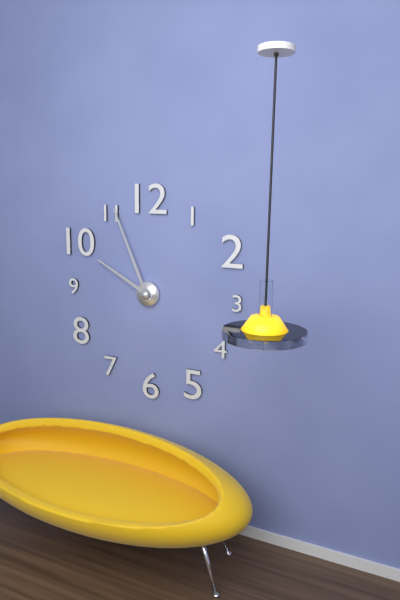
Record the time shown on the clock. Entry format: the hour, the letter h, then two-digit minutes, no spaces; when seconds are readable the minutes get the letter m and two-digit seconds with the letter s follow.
9h56
